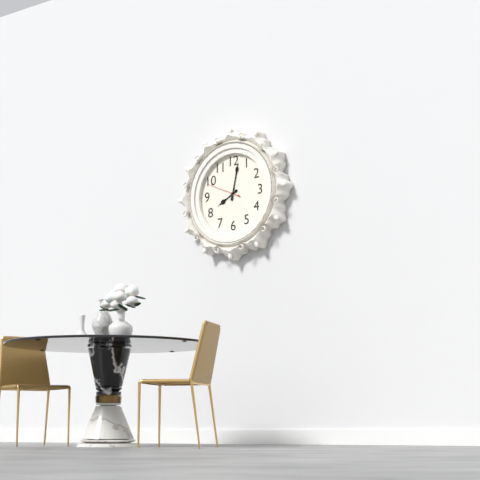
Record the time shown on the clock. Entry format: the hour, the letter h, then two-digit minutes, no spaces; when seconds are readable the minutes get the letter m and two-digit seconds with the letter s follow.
8h02
